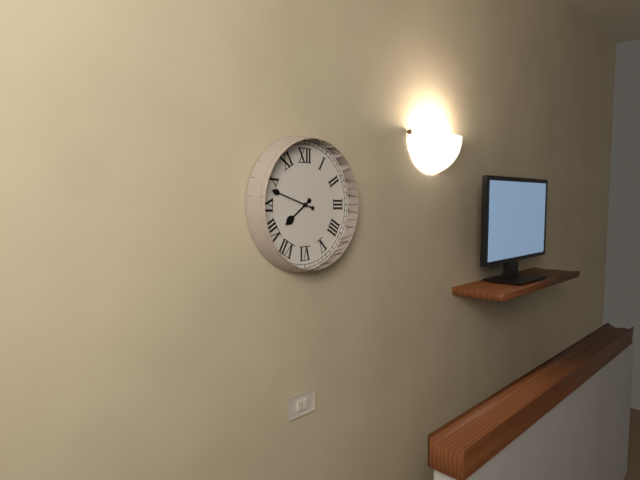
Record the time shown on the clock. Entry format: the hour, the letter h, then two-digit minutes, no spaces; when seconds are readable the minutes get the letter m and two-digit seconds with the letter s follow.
7h48
